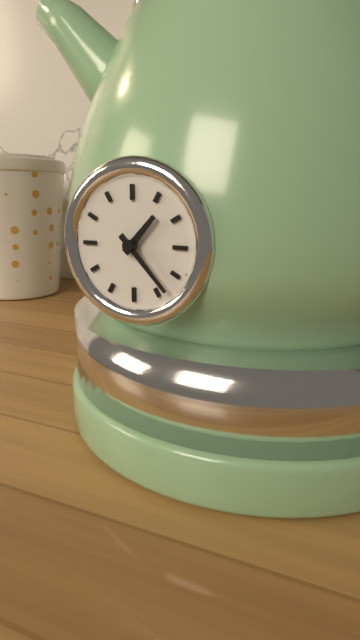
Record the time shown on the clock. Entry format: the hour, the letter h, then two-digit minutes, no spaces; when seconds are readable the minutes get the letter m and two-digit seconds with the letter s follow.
1h23
